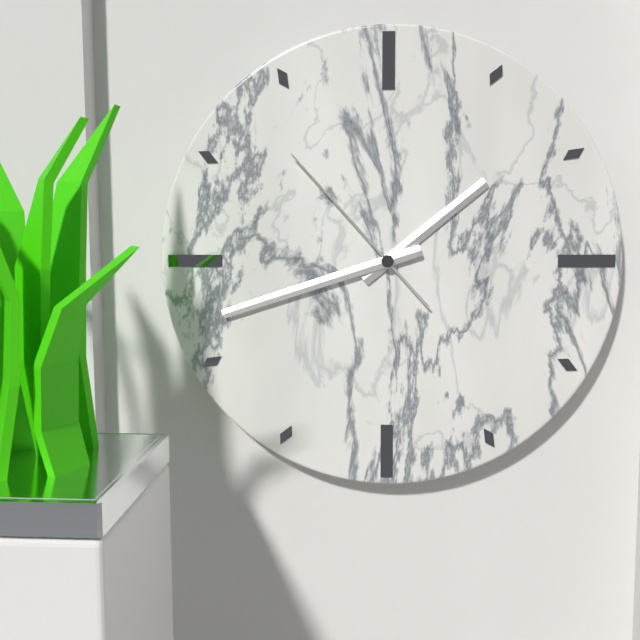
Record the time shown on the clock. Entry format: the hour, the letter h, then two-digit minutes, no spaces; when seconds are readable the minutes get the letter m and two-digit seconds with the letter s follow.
1h42m53s
